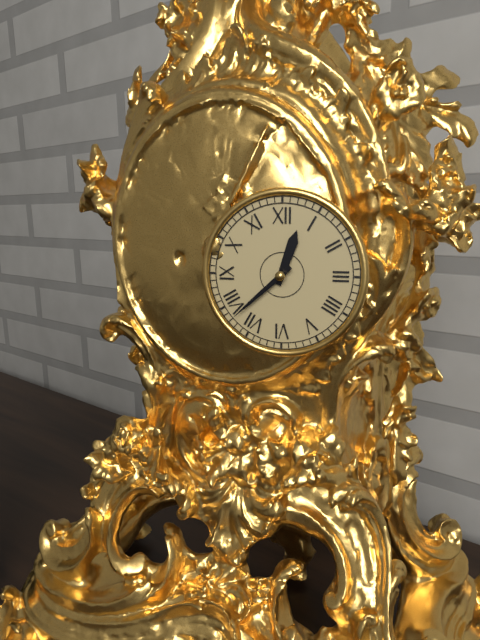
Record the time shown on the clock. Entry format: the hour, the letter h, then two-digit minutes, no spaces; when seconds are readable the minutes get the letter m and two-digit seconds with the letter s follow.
12h38
